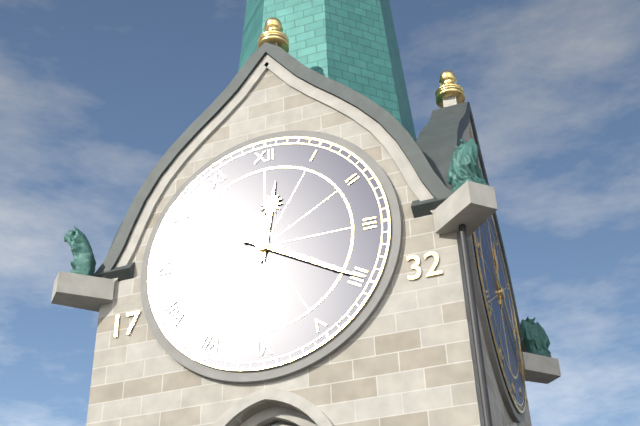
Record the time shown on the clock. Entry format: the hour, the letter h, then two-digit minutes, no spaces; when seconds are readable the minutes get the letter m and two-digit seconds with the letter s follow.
12h20
